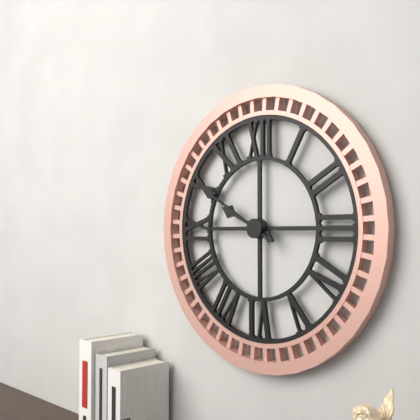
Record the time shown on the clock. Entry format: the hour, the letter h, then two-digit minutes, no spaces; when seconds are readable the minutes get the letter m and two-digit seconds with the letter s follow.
9h50
